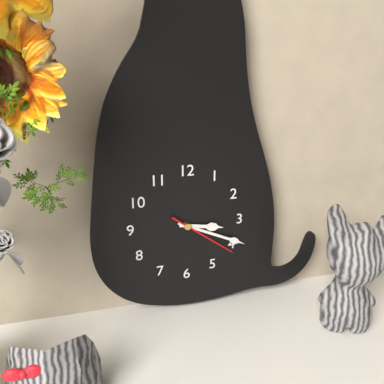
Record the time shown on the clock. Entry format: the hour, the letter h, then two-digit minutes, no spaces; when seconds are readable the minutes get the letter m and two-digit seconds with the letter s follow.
3h19m21s
